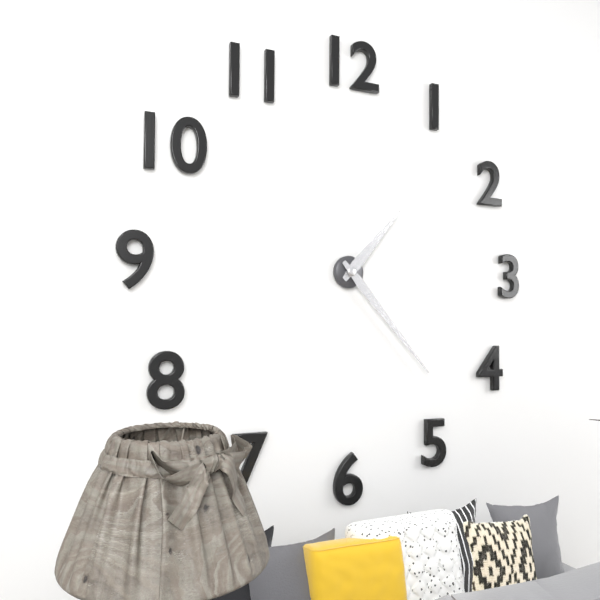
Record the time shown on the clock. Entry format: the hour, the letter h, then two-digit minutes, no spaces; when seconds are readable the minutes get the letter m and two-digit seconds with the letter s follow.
1h23
